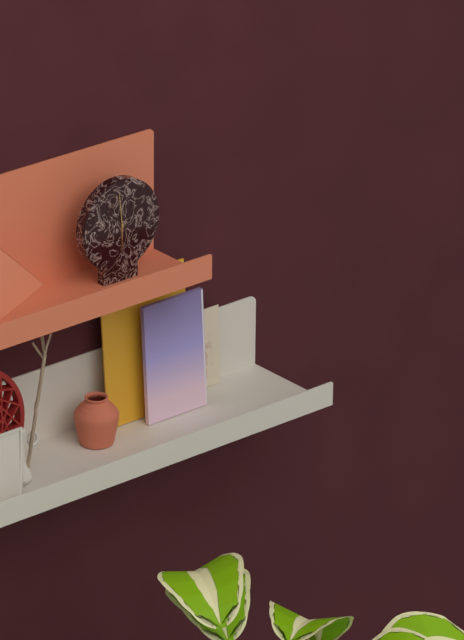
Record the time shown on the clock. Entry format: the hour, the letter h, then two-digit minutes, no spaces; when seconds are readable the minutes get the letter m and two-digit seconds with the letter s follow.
5h59
